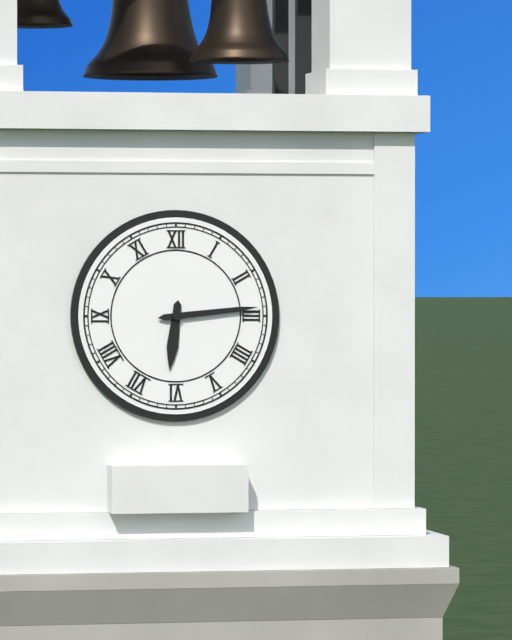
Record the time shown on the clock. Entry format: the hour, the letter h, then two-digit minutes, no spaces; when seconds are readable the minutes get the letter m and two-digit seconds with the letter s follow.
6h14
